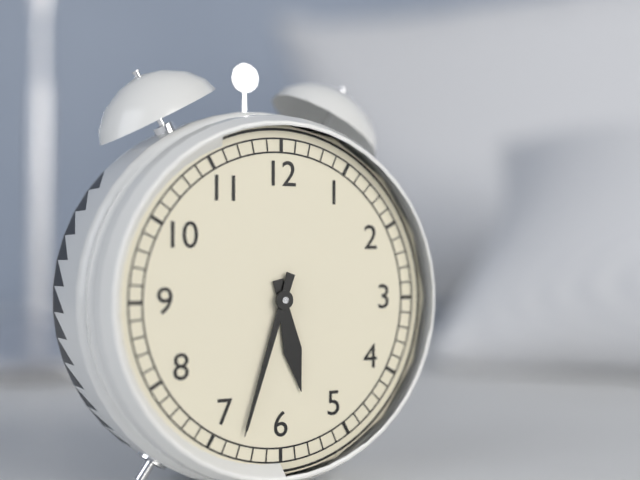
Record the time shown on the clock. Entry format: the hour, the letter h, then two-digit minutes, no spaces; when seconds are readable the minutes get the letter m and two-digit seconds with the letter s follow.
5h33
